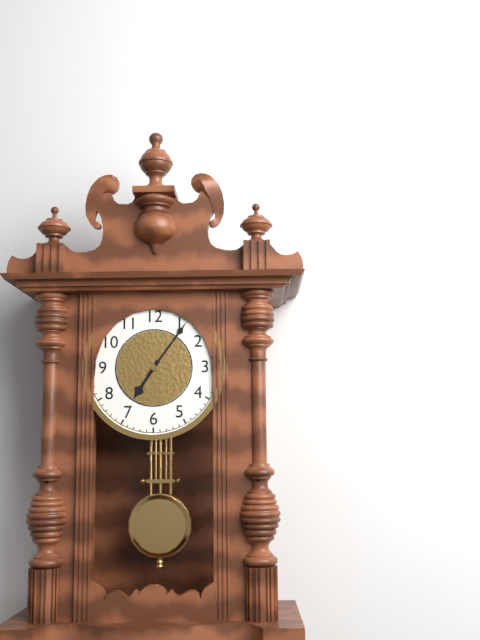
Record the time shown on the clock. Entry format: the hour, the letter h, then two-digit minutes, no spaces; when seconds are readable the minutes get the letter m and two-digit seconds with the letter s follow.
7h06
